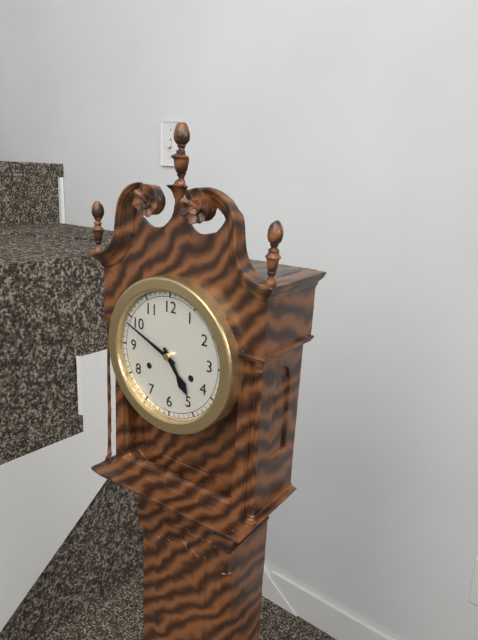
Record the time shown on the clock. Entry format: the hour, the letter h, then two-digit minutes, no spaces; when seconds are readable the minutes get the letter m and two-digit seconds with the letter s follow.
4h49
